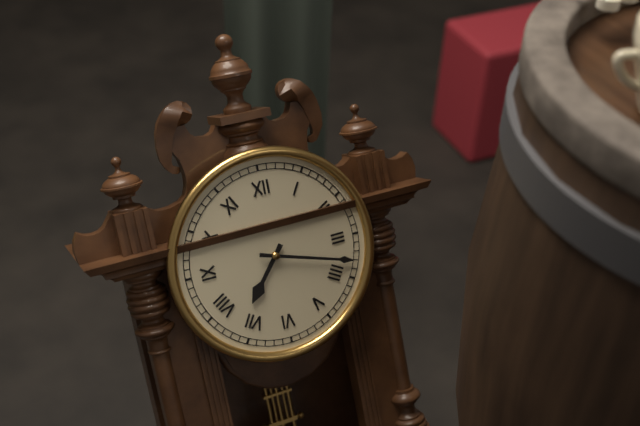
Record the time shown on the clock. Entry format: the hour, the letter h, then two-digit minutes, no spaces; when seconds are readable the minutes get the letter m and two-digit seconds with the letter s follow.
7h18
